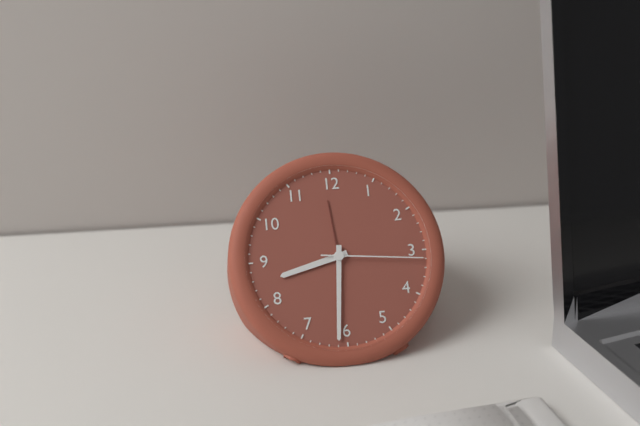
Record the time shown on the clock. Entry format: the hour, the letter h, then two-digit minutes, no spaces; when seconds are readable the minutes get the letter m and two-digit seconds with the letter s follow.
8h31m16s
